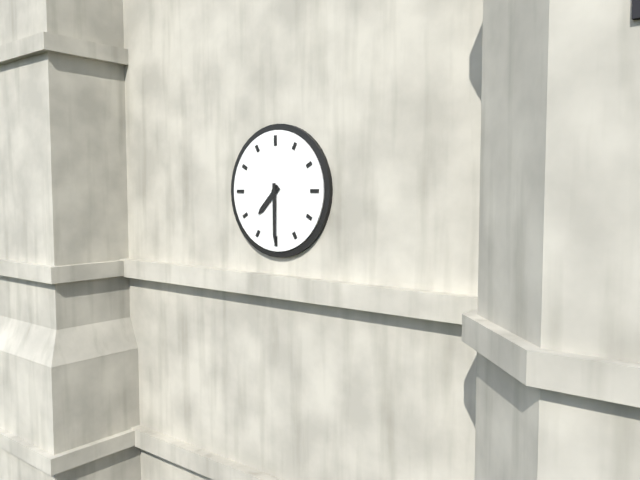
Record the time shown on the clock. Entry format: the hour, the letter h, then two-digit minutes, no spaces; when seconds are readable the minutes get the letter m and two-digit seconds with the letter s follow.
7h30
